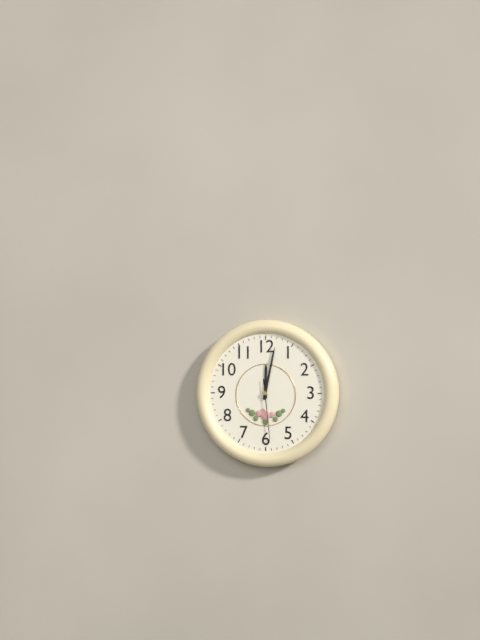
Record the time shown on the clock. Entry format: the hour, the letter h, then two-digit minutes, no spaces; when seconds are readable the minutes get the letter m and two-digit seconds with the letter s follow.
12h02m29s
